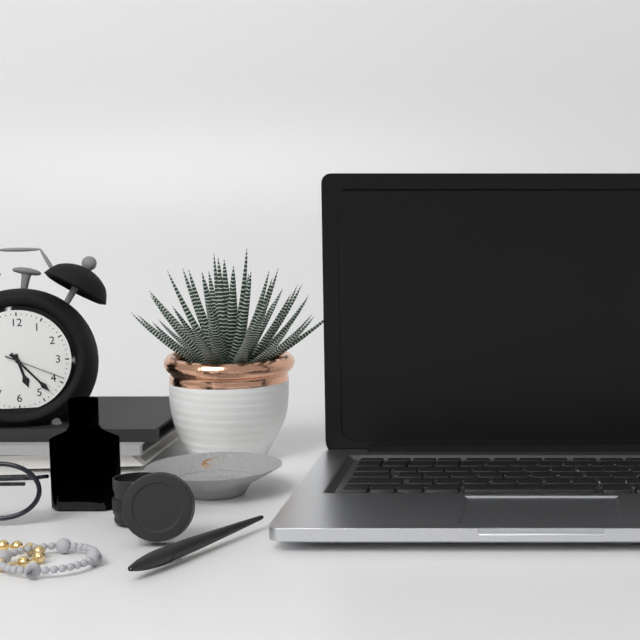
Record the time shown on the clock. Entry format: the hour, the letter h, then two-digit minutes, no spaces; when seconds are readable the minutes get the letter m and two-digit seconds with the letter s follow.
5h23m19s
